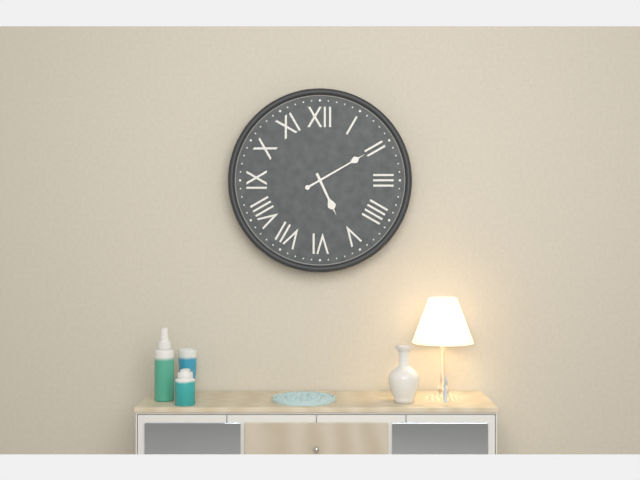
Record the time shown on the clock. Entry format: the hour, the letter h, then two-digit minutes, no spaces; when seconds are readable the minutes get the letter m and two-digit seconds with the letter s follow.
5h10
